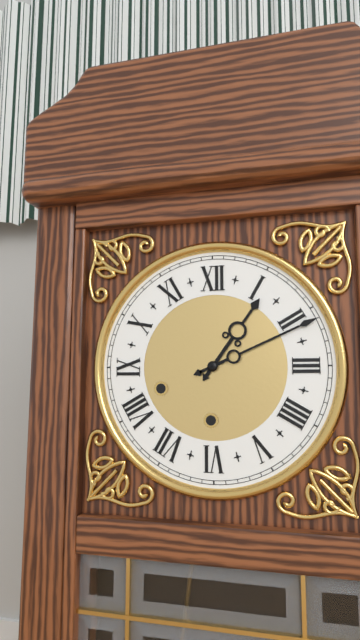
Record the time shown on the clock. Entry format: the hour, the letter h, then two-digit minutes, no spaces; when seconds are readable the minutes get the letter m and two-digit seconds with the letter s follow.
1h11
